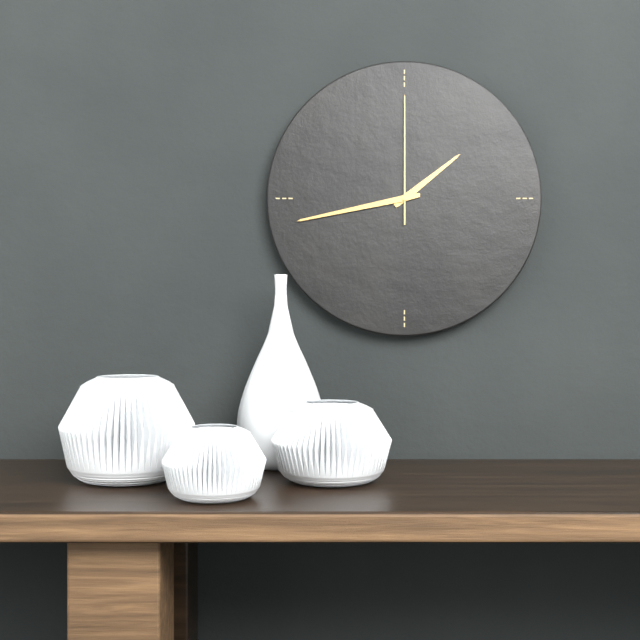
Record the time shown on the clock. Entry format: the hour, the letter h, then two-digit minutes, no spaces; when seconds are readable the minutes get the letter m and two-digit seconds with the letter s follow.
1h43m00s
